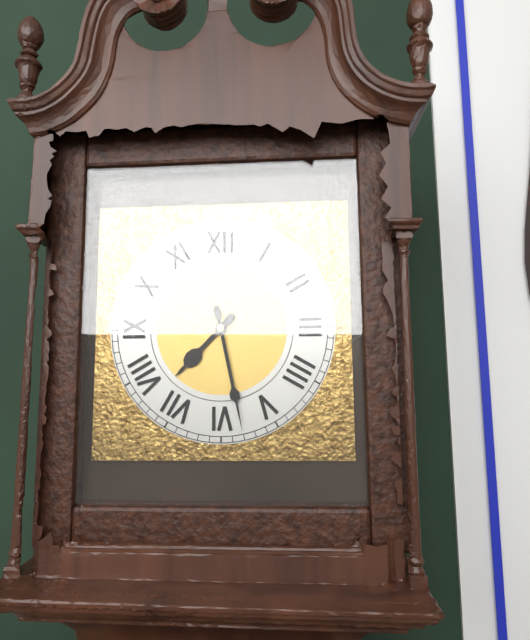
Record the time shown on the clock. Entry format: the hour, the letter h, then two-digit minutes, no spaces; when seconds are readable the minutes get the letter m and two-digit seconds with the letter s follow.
7h28
